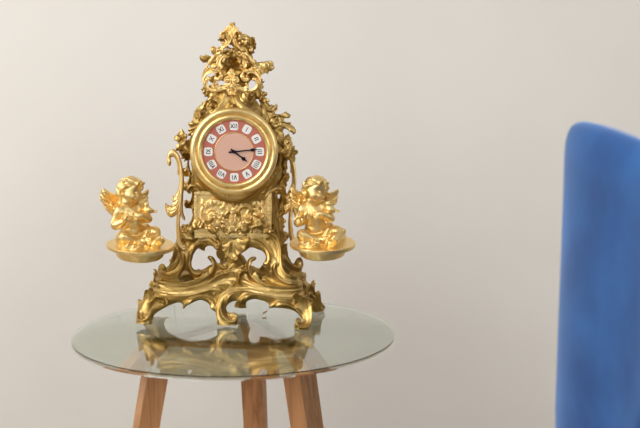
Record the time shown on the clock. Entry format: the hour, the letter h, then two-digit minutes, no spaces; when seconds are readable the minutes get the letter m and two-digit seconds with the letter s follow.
4h14
